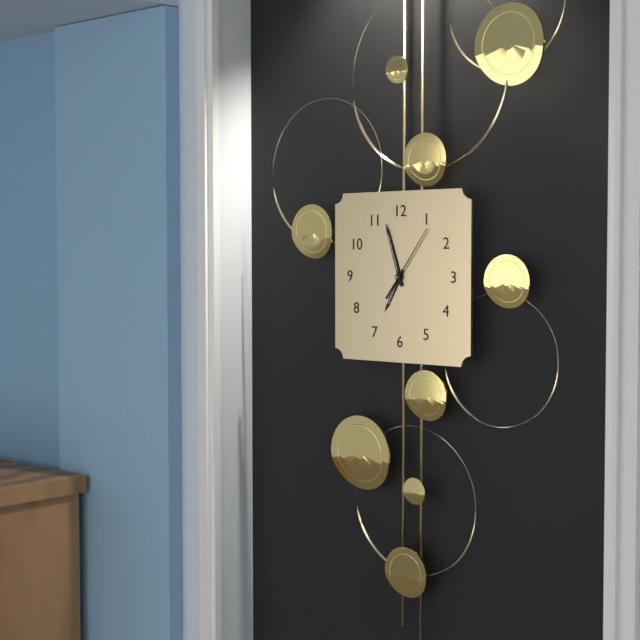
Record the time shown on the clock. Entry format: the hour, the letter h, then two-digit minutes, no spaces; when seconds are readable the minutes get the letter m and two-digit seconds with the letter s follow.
6h57m06s
